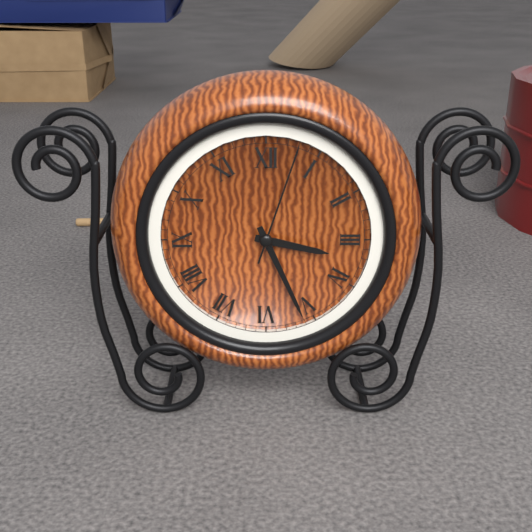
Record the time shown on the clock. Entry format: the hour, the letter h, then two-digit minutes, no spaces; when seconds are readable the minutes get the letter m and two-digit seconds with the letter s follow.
3h26m03s
